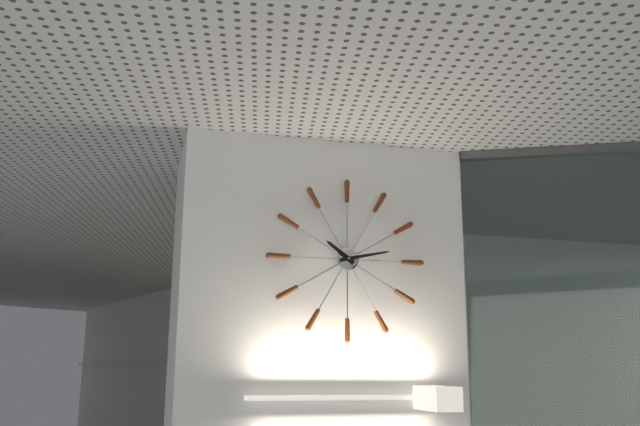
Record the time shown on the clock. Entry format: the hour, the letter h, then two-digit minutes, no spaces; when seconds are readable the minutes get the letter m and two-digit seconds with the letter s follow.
10h13
